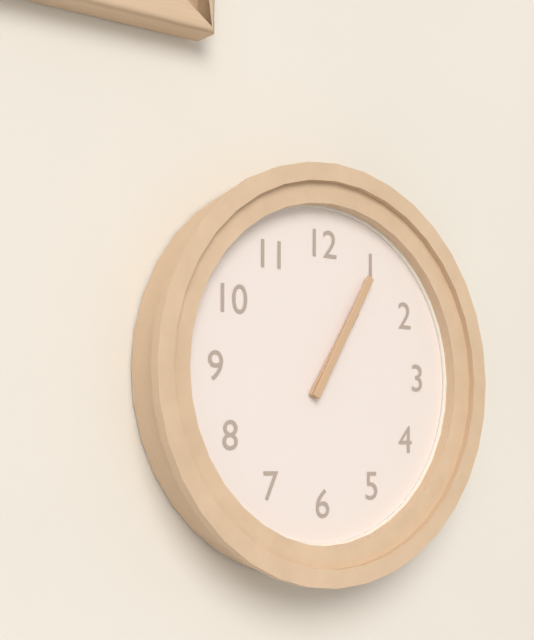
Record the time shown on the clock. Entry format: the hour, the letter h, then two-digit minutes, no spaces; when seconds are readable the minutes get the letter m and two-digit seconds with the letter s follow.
1h05
